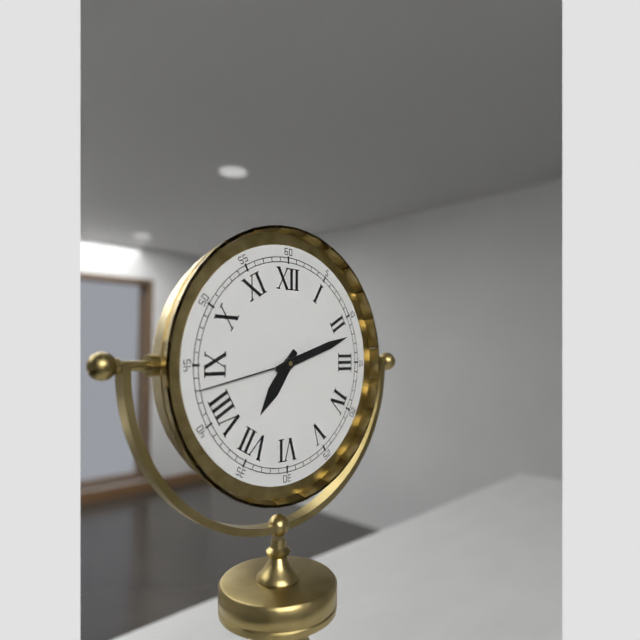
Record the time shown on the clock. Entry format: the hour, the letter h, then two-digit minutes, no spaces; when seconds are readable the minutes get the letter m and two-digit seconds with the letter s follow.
7h12m43s
